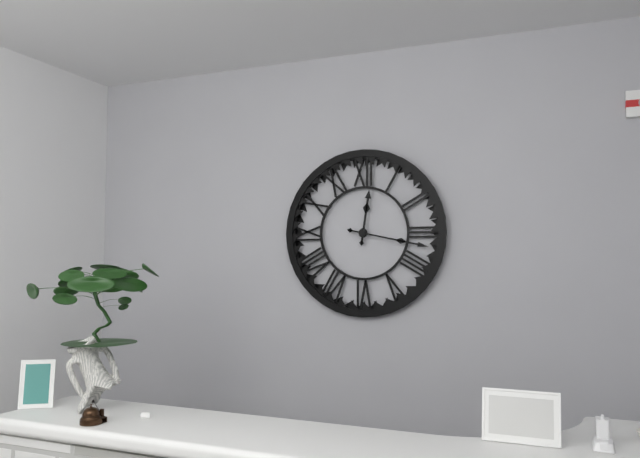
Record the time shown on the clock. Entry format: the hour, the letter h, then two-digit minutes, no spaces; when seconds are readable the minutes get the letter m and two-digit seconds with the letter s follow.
12h17
